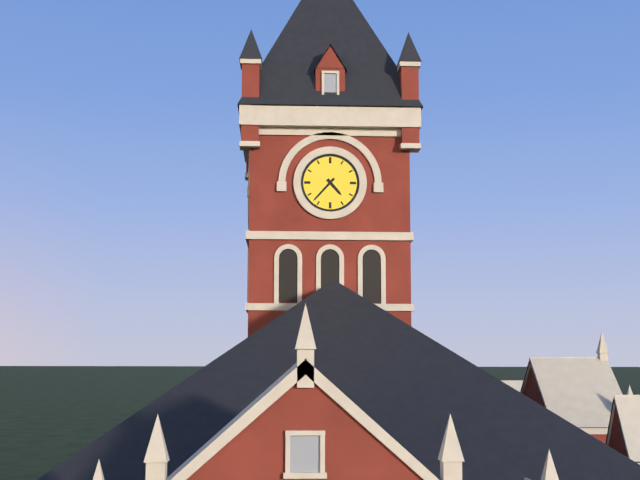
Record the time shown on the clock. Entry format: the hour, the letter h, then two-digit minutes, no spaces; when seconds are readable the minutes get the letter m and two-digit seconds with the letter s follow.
4h37
